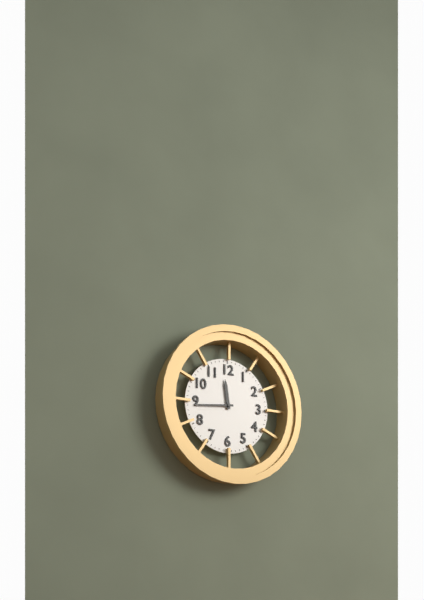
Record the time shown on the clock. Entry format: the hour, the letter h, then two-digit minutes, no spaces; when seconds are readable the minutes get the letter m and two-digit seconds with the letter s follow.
11h44
